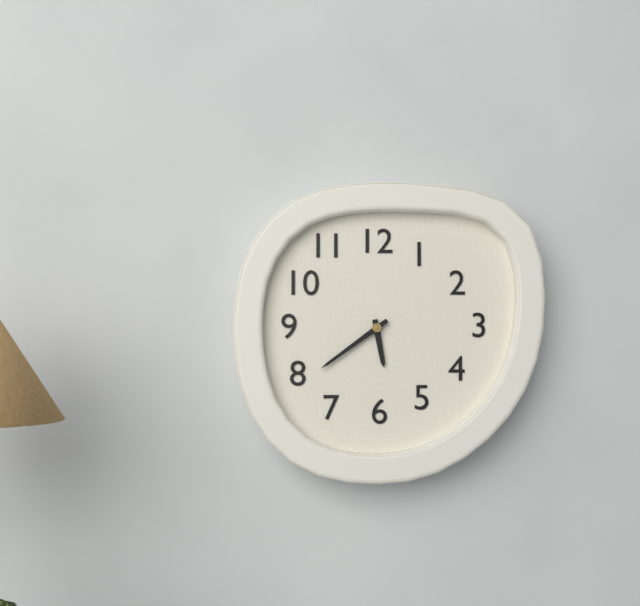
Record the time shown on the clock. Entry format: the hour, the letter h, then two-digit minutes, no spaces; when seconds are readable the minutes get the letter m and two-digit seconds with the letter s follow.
5h39
